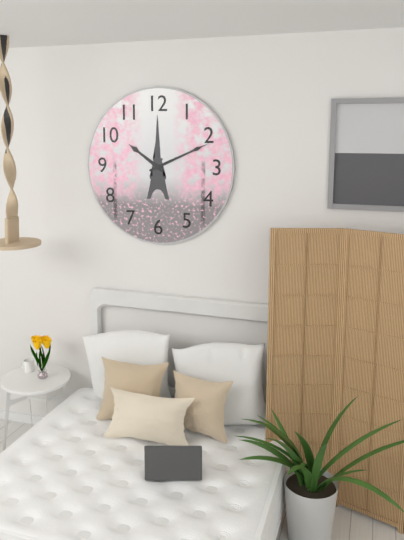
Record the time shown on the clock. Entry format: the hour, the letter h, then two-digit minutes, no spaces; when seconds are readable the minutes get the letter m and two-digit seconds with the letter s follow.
10h11
